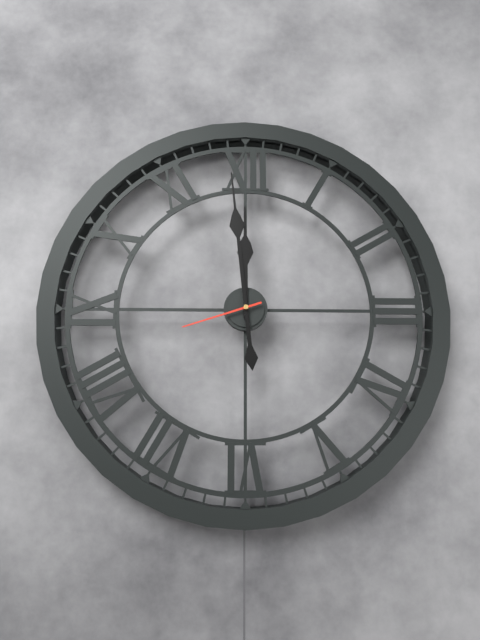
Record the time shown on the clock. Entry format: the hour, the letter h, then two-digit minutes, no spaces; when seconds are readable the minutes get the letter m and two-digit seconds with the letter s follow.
11h59m42s
